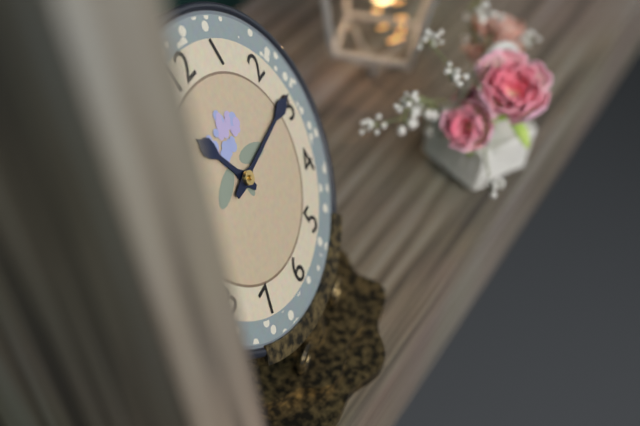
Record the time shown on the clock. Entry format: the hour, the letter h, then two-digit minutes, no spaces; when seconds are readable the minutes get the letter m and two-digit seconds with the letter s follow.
11h14
